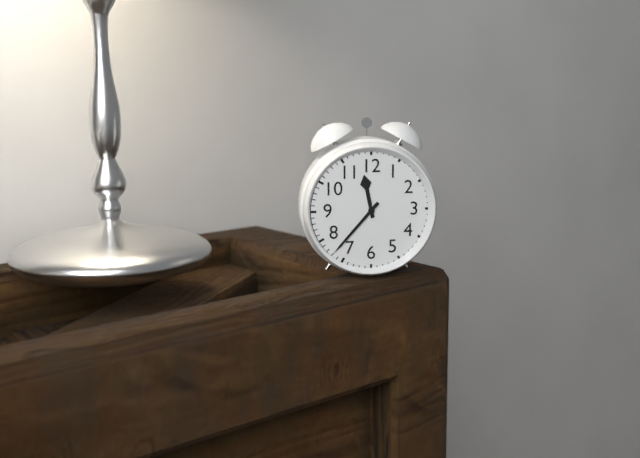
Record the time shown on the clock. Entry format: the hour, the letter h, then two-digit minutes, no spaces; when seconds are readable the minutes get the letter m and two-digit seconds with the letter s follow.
11h37
